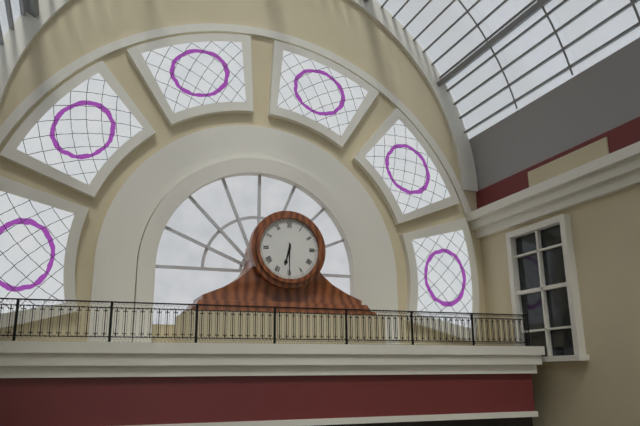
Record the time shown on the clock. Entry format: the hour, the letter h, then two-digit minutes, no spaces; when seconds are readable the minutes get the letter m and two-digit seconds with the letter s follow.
6h30
